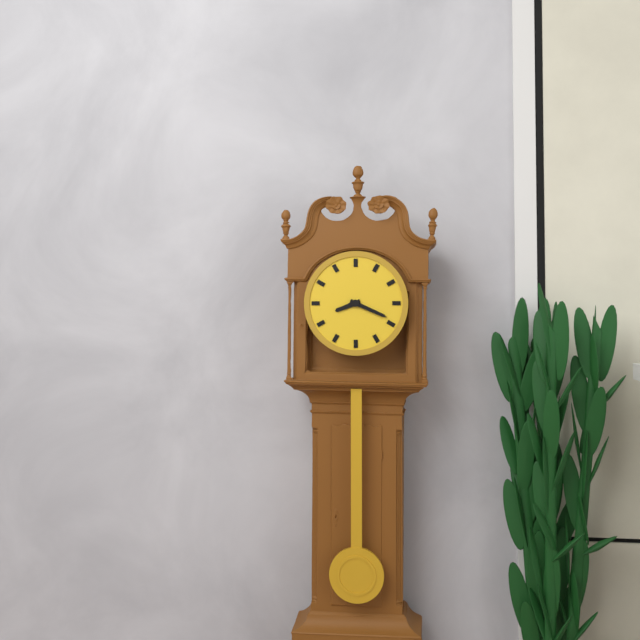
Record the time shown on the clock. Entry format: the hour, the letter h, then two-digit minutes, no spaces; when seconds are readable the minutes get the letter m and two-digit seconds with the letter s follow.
8h19
